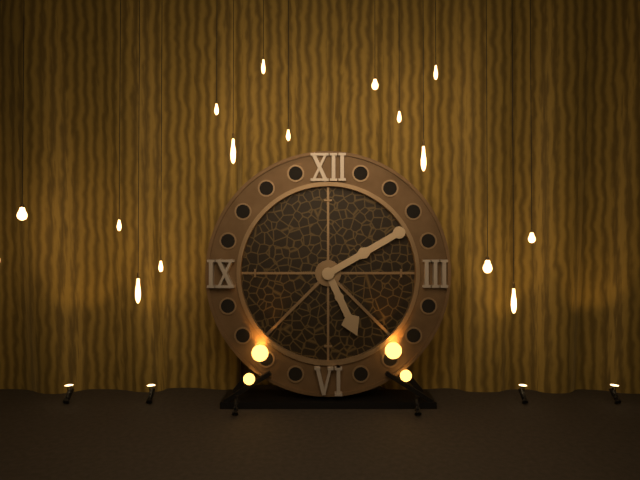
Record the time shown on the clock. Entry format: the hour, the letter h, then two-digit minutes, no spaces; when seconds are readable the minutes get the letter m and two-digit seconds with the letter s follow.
5h10
